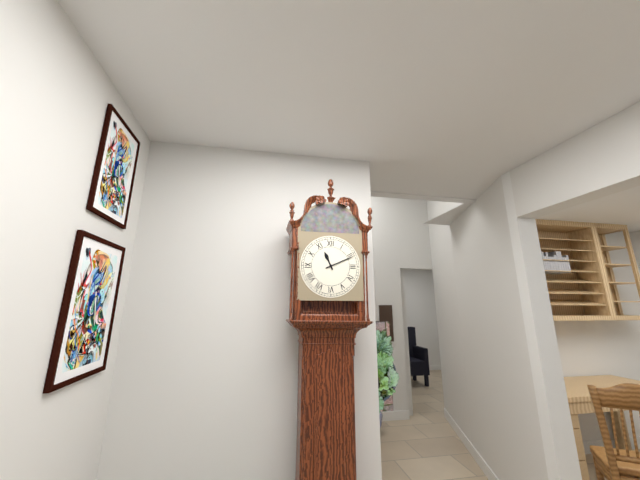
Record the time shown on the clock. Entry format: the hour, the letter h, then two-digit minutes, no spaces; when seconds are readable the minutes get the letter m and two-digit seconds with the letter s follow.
11h11
